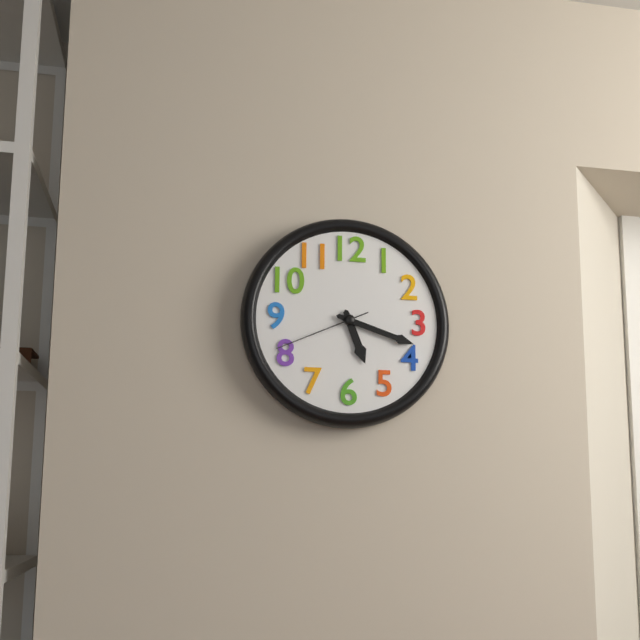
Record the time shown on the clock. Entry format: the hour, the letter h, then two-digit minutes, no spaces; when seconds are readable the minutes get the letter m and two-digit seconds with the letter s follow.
5h18m41s
